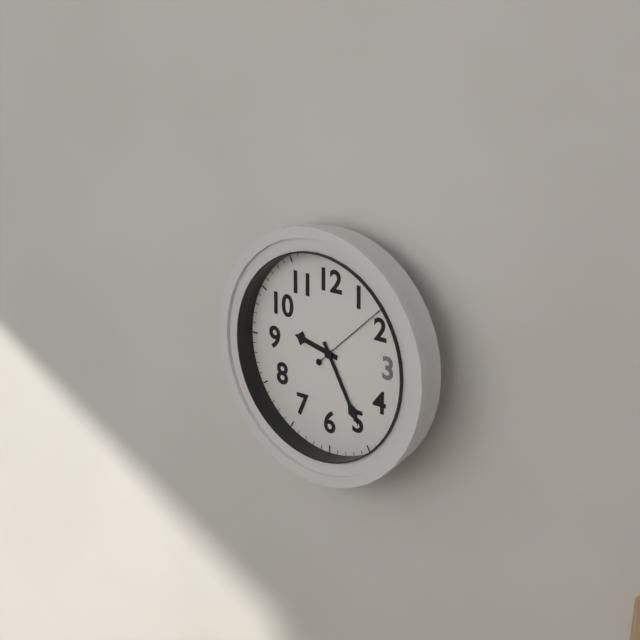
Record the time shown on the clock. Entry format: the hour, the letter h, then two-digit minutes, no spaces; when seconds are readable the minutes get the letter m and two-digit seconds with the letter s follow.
9h25m08s
